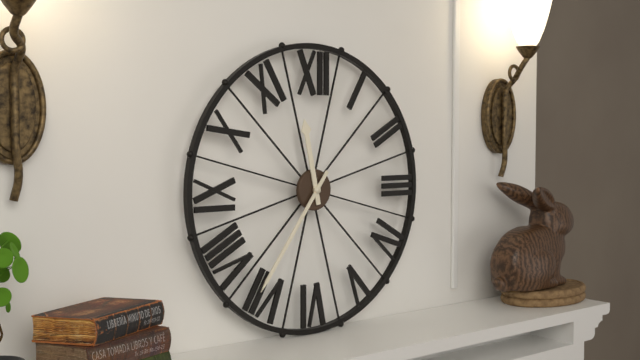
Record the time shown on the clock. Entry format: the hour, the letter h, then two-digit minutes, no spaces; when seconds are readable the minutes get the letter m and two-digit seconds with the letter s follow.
11h36
